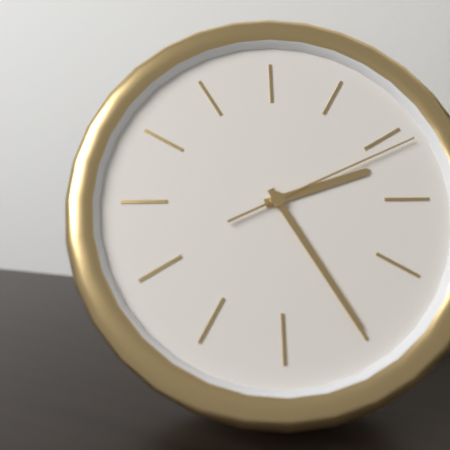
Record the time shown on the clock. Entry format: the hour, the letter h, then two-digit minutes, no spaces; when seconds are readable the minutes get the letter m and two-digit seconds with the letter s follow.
2h25m11s
